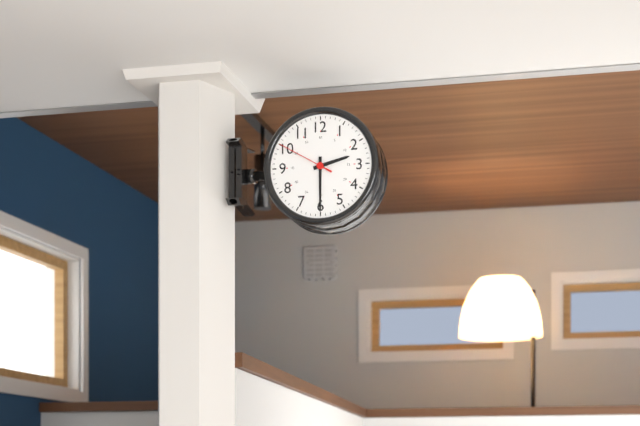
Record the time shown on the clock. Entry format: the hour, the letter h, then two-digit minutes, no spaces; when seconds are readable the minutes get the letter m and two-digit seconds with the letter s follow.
2h30m50s
